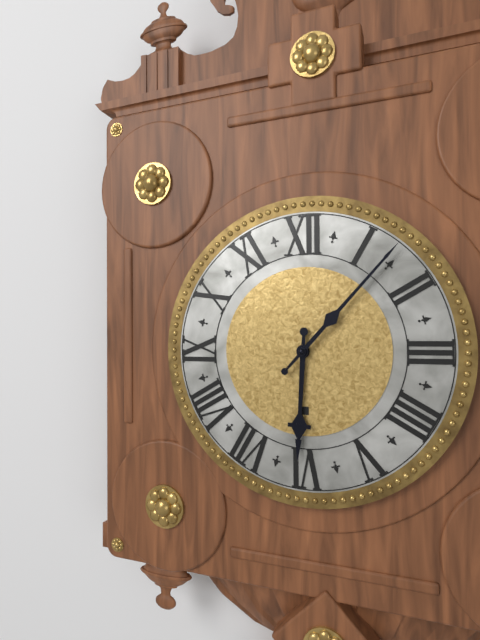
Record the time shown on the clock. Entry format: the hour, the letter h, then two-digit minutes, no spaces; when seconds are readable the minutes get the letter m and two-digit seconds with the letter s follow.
6h07
